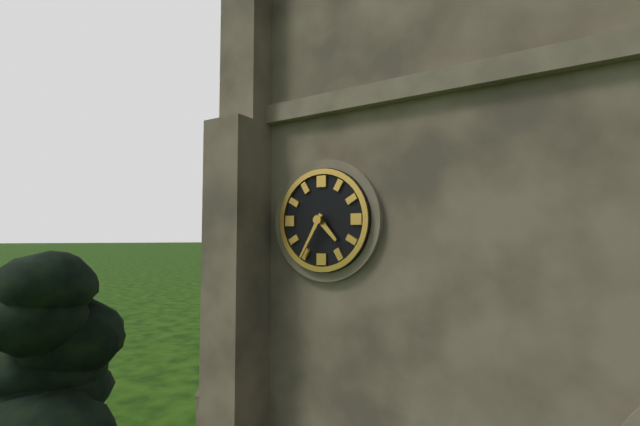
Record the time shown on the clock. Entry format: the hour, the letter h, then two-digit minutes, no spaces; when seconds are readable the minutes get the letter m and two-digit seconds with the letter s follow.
4h35
